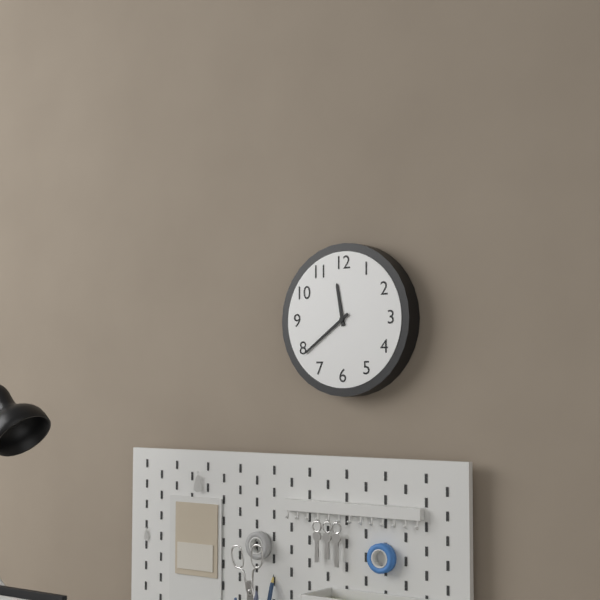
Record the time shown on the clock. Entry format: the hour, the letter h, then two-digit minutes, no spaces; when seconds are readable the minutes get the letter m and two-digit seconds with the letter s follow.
11h39
